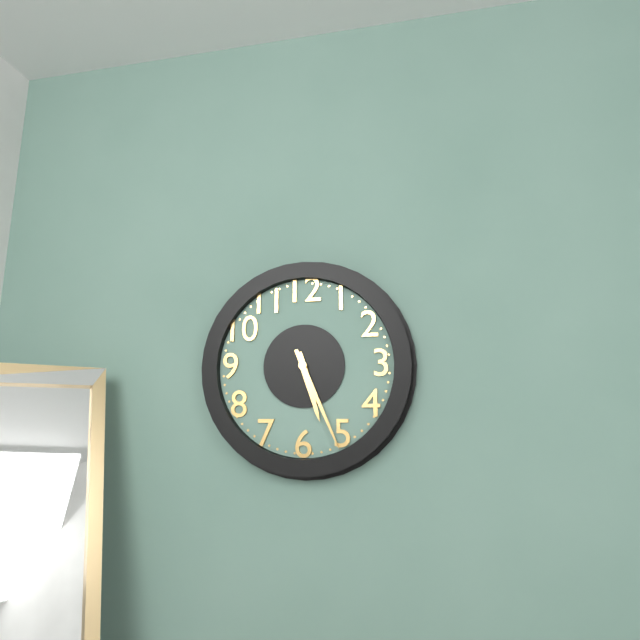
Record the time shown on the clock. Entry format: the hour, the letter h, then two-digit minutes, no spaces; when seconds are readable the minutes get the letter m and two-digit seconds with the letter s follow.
5h26
